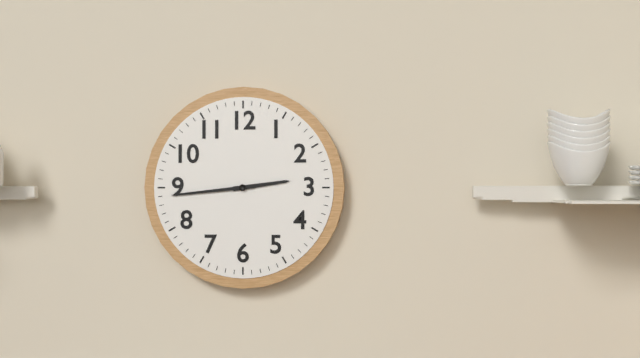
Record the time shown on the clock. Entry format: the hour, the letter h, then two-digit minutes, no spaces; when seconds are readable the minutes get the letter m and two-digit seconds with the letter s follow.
2h44
